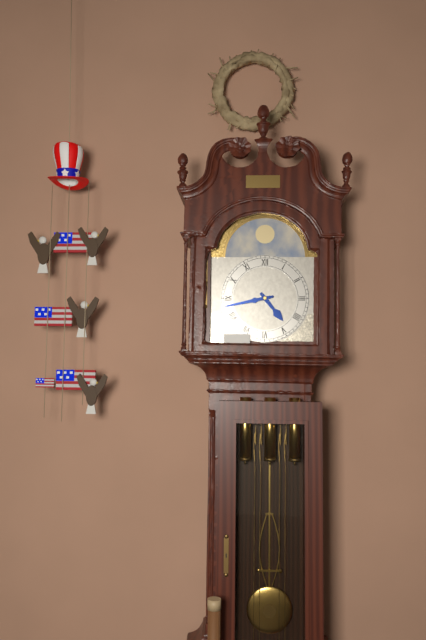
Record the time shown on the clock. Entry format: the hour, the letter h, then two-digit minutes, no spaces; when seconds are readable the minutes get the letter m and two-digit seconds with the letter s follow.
4h43
